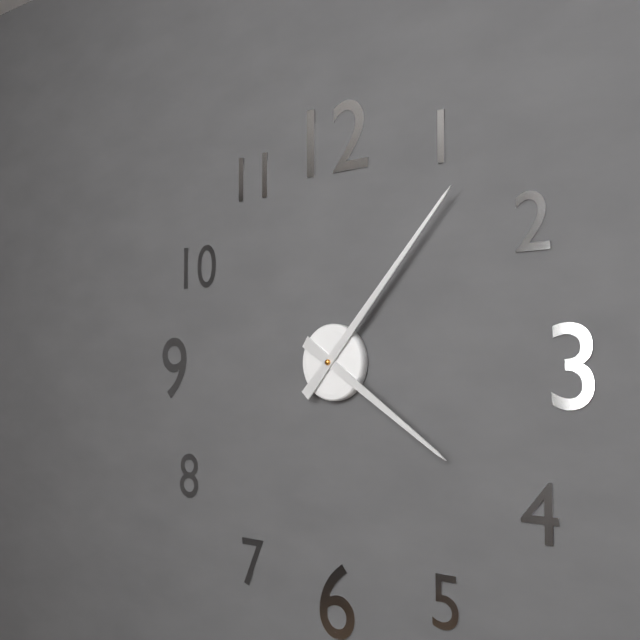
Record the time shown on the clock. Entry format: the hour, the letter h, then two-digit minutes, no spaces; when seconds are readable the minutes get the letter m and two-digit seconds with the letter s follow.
4h07
